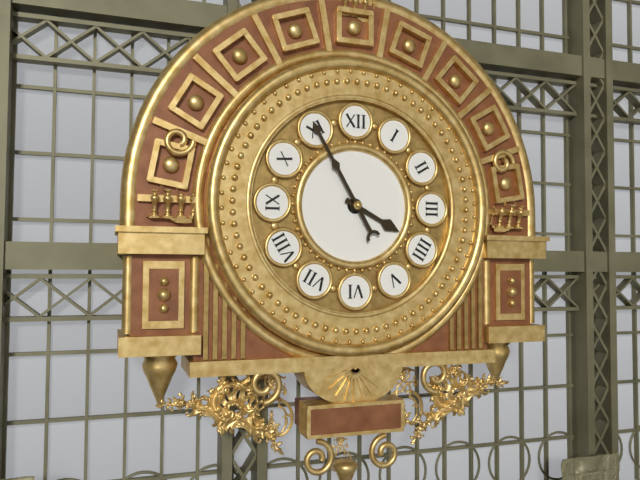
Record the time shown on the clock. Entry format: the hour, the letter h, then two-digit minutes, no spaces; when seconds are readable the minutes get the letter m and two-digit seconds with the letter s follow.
3h55
